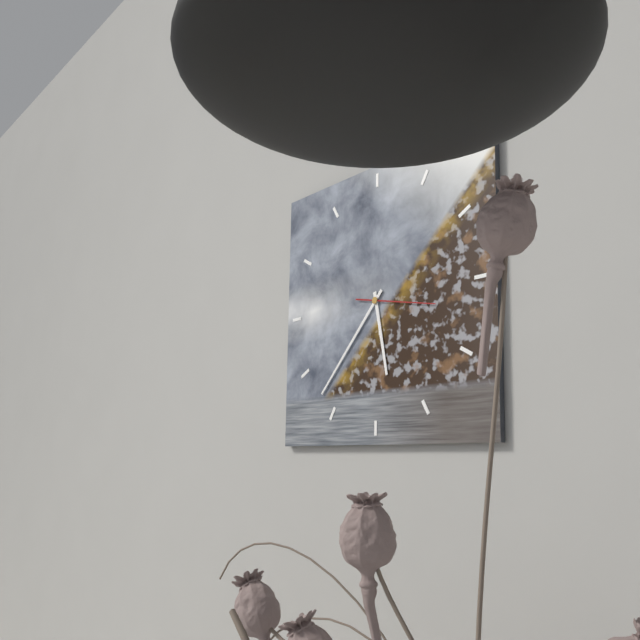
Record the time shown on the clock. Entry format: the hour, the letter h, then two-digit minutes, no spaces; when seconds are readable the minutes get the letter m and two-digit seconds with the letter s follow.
5h37m17s
